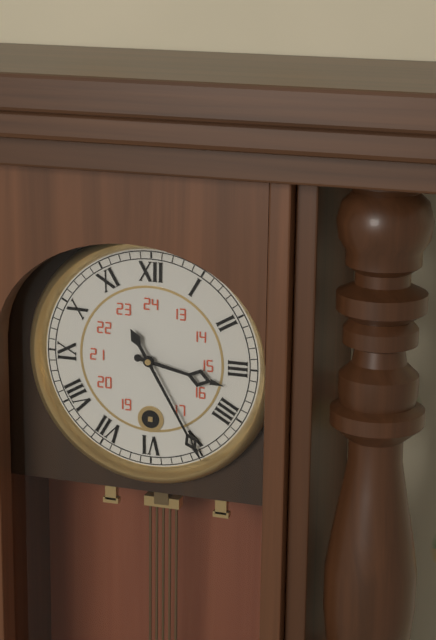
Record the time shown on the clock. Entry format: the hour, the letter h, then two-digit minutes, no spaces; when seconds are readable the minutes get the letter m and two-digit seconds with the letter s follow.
3h25
